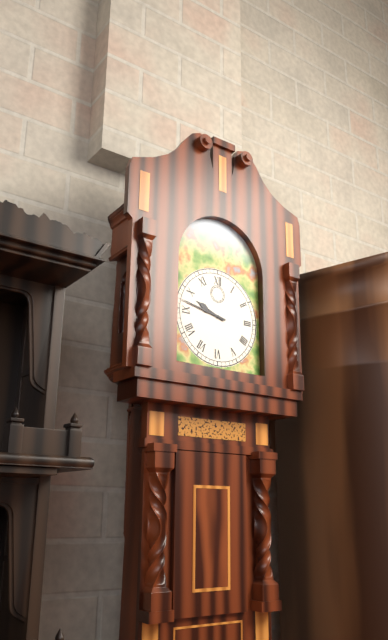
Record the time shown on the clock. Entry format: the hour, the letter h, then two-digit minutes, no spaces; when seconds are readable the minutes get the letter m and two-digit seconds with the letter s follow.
9h47
